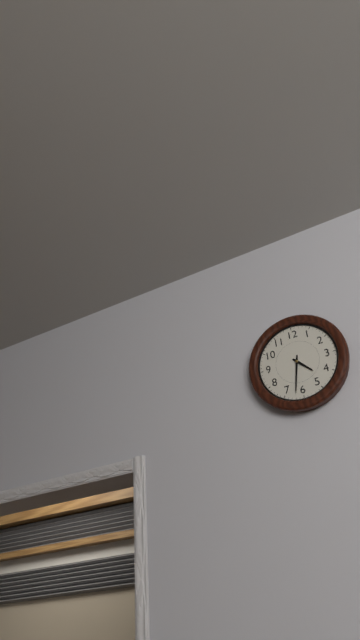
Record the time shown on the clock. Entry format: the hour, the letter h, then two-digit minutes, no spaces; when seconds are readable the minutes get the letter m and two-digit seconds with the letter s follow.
4h32
